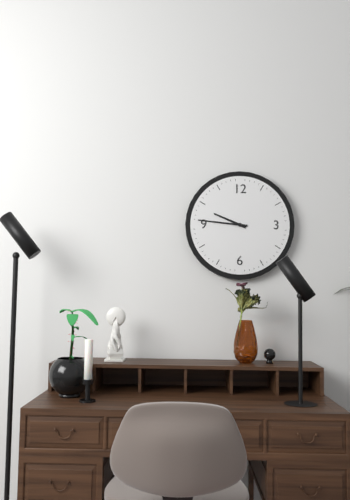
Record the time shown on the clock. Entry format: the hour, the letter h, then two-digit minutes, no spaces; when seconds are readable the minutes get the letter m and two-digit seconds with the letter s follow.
9h46
